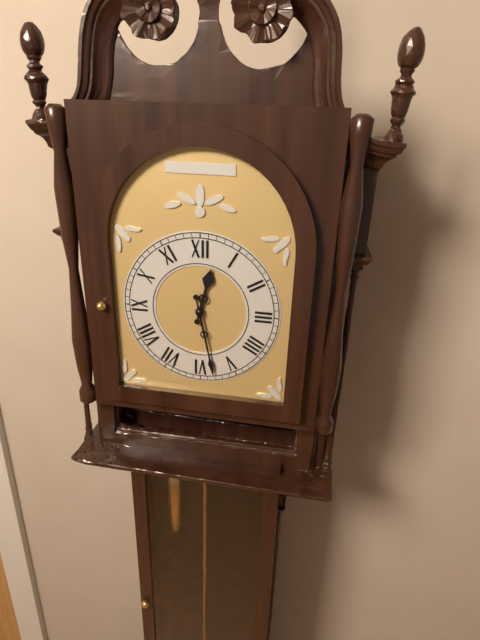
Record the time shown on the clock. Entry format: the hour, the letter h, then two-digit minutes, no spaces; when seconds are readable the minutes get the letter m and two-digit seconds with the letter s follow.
12h28
